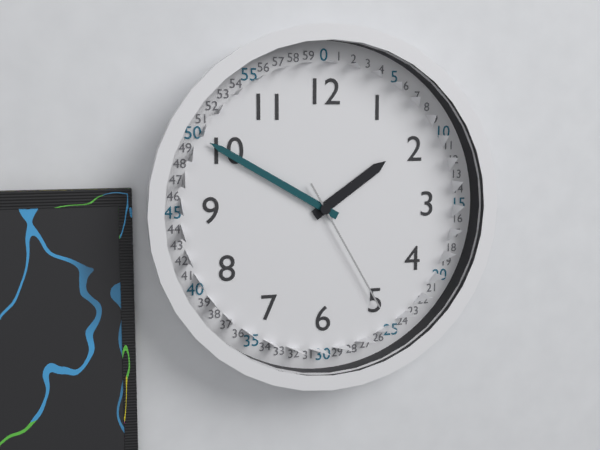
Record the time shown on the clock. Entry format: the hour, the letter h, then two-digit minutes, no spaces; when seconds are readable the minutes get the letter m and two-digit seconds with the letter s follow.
1h50m25s
